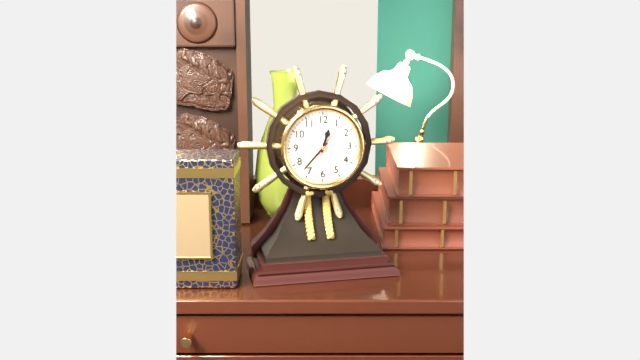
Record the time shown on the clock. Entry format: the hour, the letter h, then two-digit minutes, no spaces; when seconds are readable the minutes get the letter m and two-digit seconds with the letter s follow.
12h37
